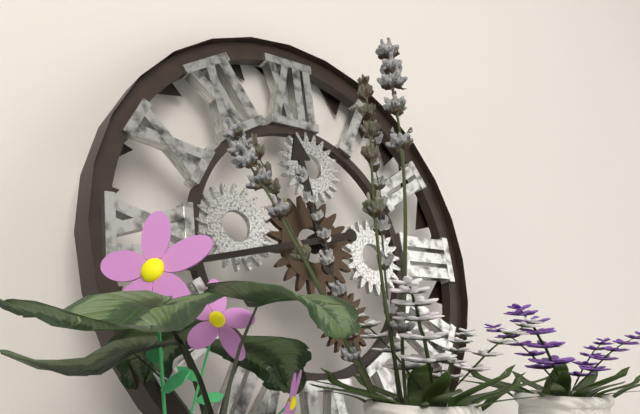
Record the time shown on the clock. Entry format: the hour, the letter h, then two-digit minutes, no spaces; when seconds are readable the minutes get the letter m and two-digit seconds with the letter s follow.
11h43
